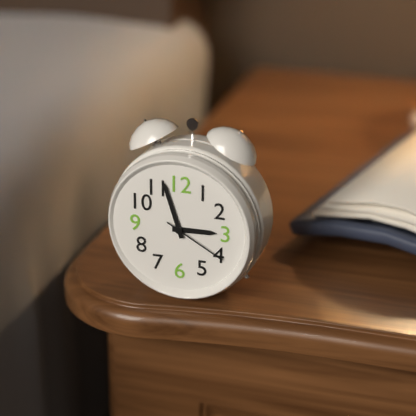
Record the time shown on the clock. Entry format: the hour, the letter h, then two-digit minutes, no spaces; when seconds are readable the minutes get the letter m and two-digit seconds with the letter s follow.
2h57m20s
